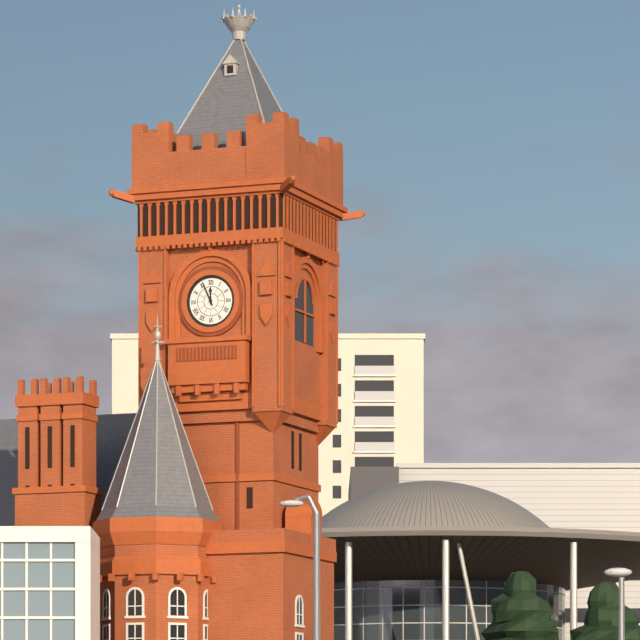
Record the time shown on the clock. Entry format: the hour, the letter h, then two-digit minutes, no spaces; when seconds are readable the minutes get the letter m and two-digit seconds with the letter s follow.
11h56
